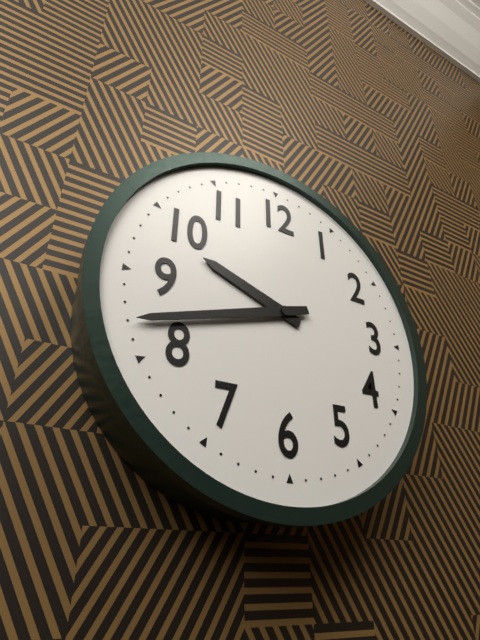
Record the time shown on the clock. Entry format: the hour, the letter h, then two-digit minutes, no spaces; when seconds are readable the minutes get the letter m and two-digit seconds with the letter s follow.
9h42
